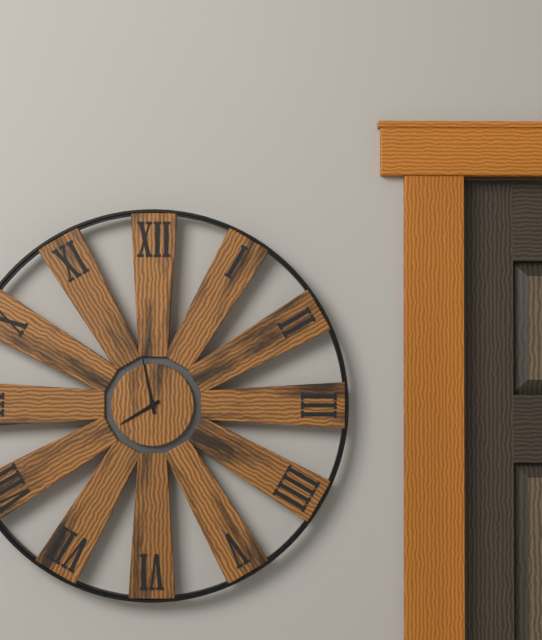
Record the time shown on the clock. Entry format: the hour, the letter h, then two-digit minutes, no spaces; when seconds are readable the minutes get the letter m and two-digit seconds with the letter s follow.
7h58
